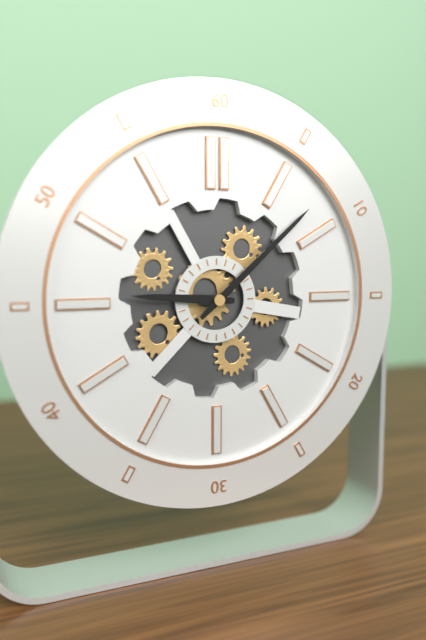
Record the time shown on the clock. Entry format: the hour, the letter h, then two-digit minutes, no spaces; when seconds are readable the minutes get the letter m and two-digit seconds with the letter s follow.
9h08
